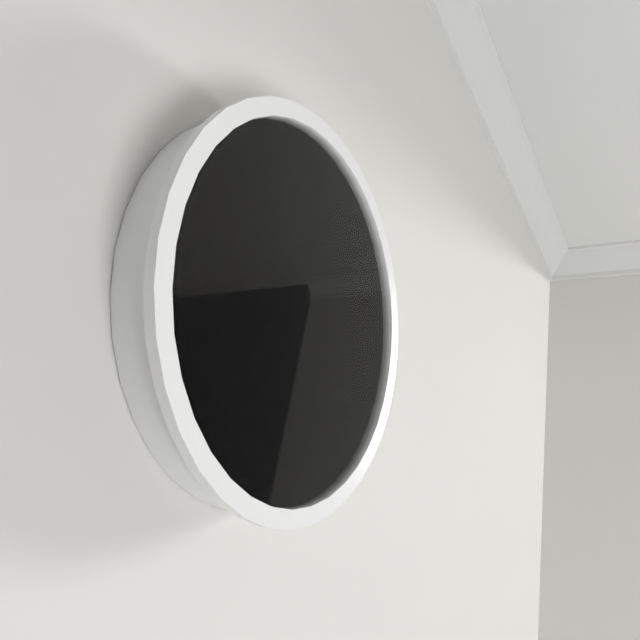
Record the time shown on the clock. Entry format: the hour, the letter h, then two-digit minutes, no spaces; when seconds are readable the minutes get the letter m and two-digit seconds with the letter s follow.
11h47
